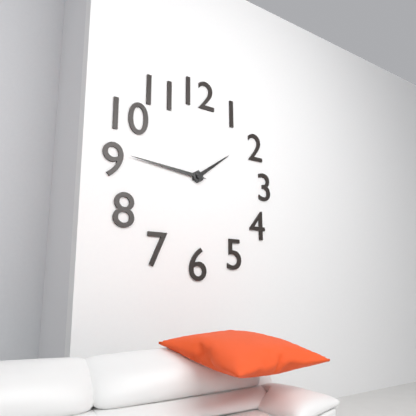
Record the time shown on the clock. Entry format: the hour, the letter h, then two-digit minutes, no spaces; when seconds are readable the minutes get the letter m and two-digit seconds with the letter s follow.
1h46
